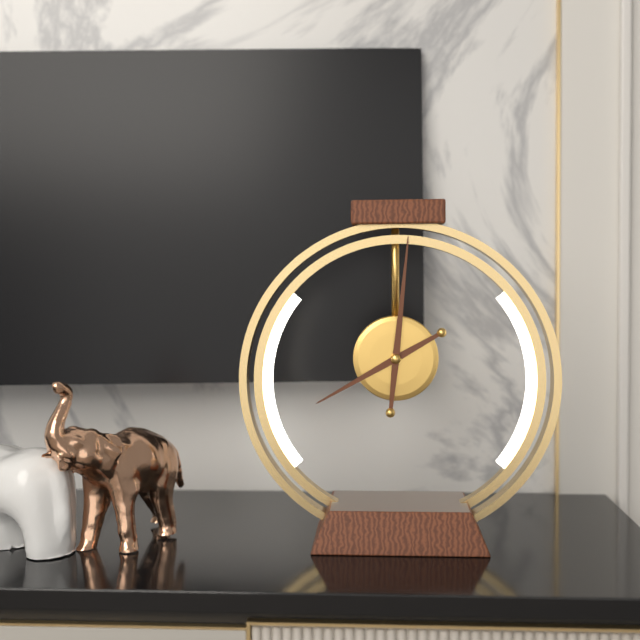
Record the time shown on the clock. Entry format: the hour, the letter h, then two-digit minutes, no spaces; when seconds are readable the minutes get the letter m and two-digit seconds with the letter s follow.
8h01
